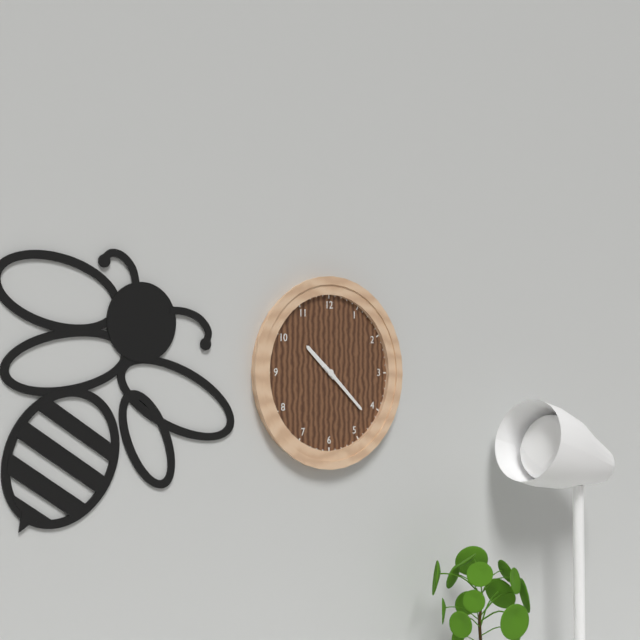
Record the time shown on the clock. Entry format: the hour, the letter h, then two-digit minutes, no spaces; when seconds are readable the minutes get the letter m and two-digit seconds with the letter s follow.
10h22
